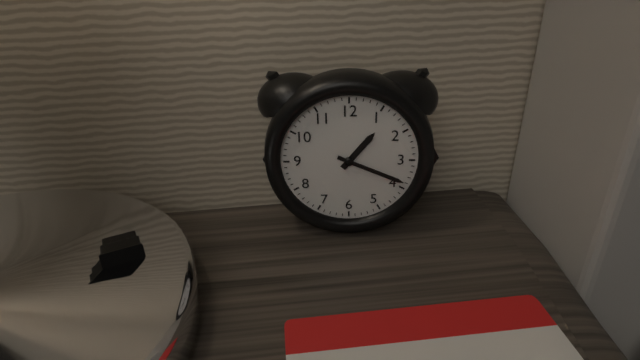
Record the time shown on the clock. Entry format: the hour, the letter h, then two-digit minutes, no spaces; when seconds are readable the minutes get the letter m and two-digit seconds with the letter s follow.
1h19
